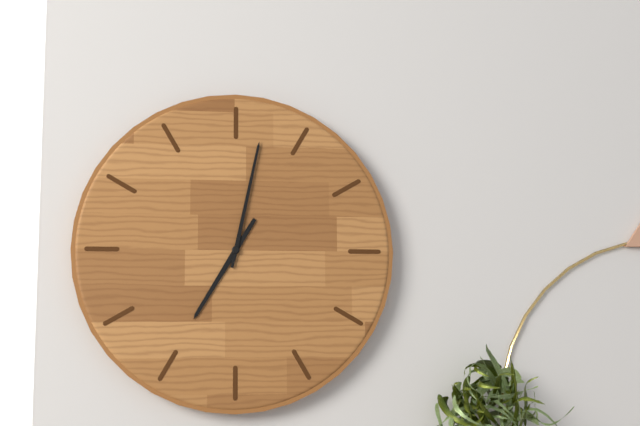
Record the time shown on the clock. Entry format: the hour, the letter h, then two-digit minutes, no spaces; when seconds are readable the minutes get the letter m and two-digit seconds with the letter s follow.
7h02
